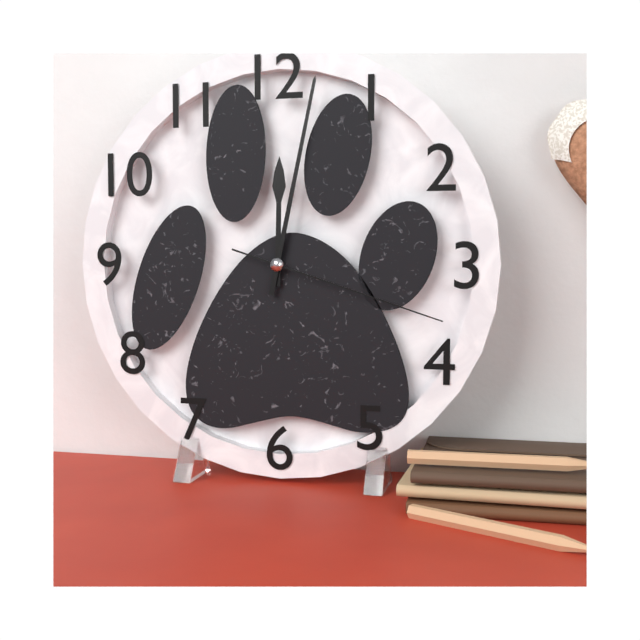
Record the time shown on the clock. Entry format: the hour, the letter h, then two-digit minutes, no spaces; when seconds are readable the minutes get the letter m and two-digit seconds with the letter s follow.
12h02m18s
